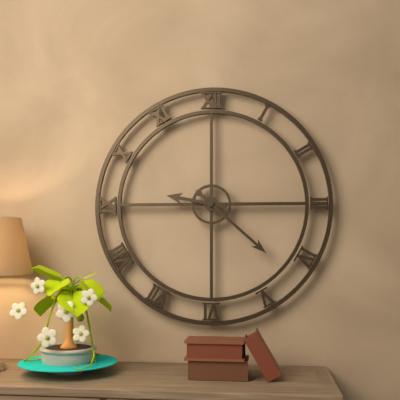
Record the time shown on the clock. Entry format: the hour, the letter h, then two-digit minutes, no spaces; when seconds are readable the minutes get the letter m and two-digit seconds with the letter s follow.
9h22
